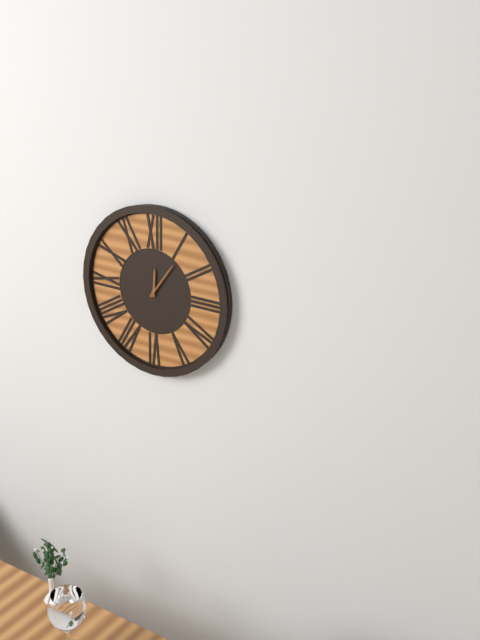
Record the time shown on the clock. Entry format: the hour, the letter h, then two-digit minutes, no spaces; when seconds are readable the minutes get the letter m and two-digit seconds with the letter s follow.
12h06
